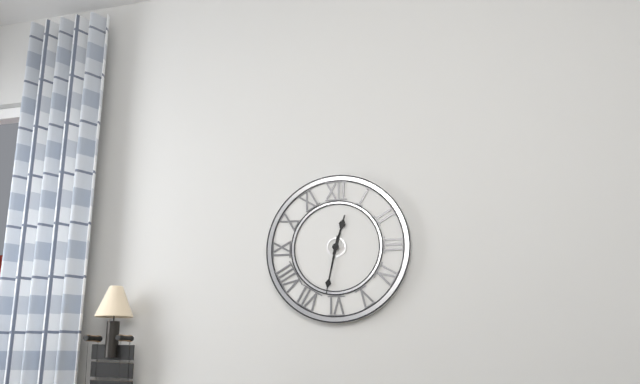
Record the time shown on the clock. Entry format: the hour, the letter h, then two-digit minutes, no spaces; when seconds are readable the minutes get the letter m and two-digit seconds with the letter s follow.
12h32
